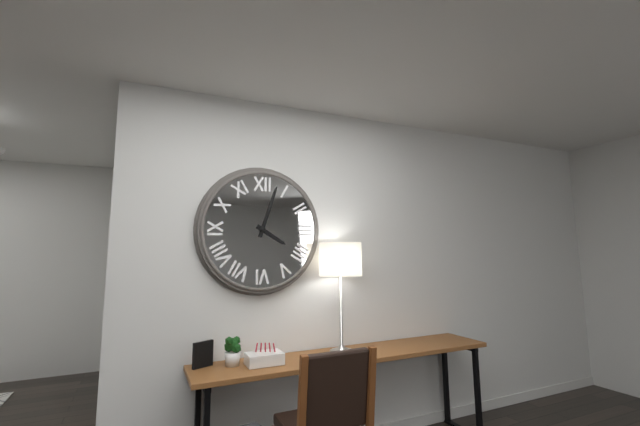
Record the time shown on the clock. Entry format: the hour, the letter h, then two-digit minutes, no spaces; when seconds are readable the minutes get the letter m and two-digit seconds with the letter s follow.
4h03
